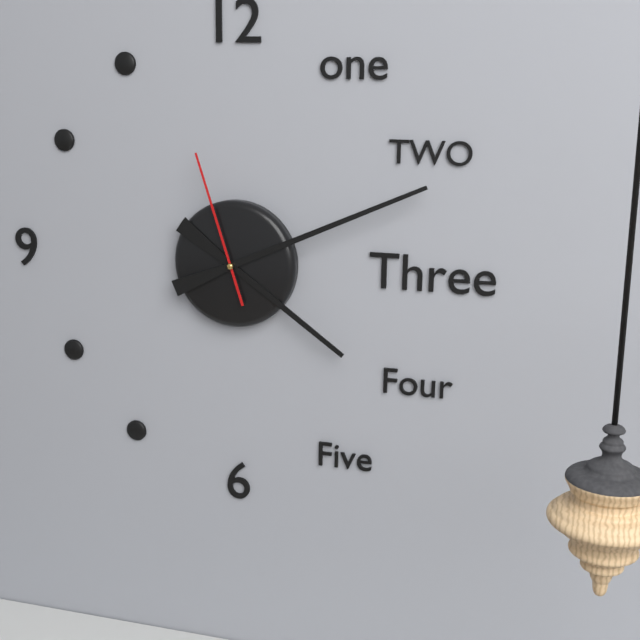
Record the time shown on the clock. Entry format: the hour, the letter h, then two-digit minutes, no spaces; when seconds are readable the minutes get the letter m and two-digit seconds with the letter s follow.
4h11m57s
